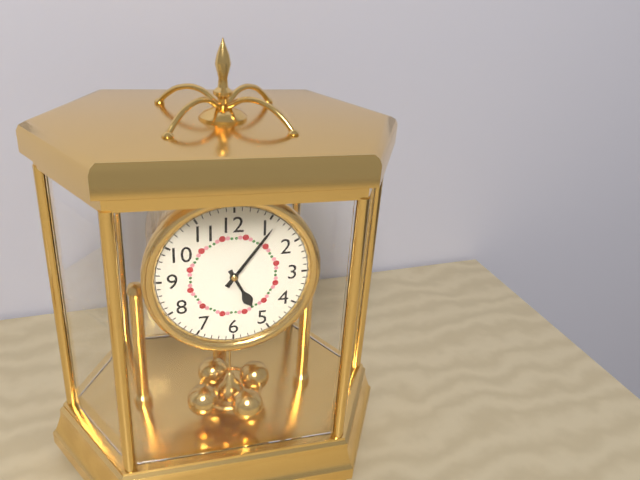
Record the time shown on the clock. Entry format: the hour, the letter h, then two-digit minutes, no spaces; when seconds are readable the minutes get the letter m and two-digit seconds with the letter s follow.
5h06
